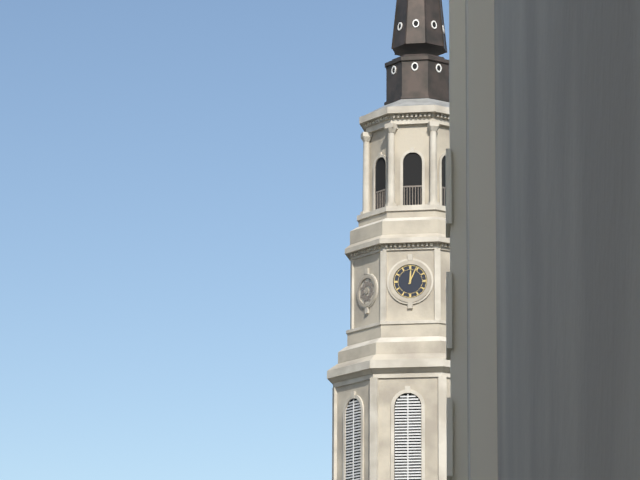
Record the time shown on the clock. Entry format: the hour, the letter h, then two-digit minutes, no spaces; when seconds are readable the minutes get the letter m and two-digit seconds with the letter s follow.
12h04
